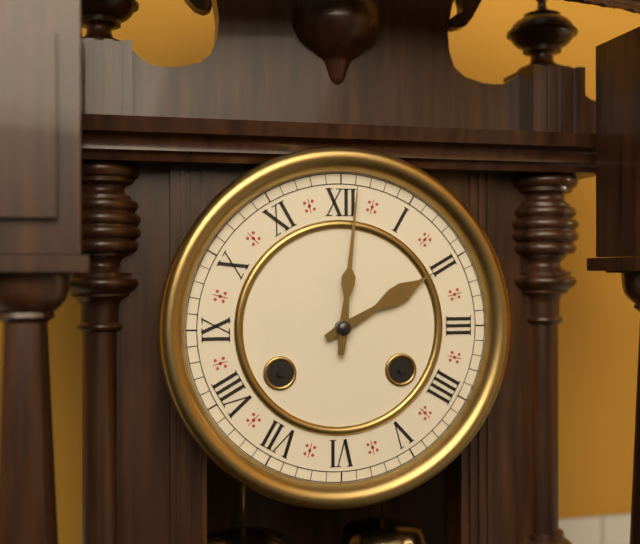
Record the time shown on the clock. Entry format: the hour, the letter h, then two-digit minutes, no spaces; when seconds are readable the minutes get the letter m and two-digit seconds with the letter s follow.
2h01
